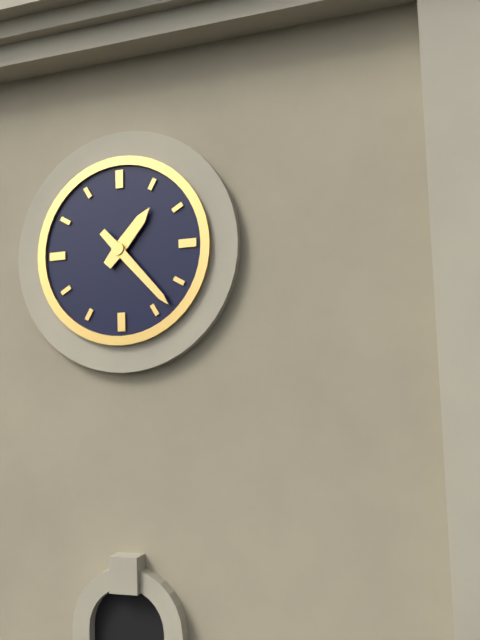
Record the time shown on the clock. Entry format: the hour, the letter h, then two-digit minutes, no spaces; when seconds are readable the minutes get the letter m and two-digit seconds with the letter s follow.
1h23
